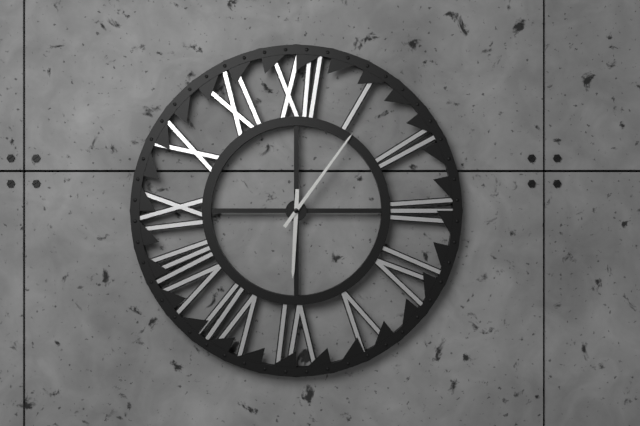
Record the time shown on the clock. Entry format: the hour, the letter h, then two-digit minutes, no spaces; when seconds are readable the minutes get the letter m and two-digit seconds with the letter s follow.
6h06
